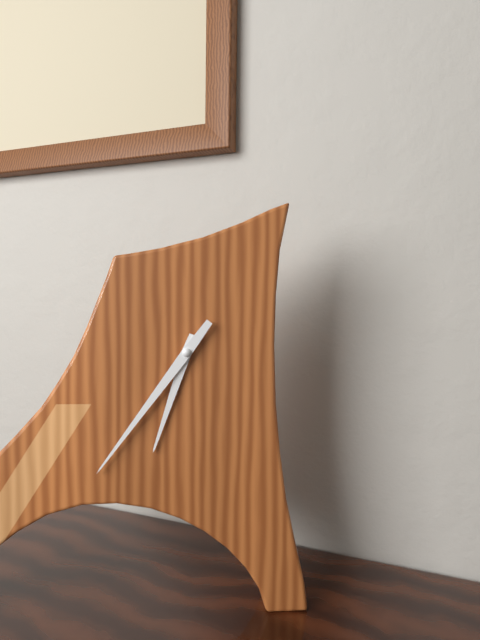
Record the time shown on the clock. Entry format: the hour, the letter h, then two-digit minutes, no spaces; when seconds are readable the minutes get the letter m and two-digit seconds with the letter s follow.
6h36
